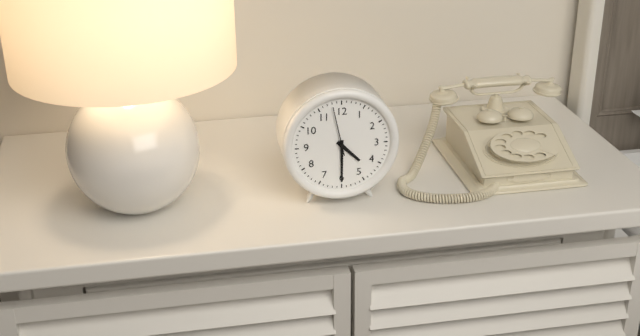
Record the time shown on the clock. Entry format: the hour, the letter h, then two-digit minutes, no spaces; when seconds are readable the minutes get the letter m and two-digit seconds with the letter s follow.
4h30
